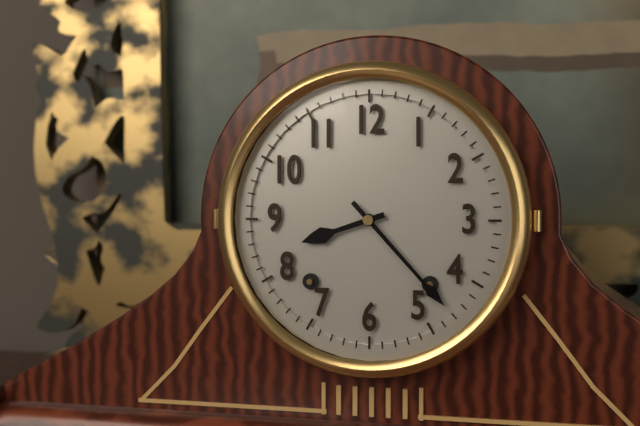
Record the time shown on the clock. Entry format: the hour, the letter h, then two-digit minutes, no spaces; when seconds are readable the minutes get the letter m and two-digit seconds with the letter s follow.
8h23
